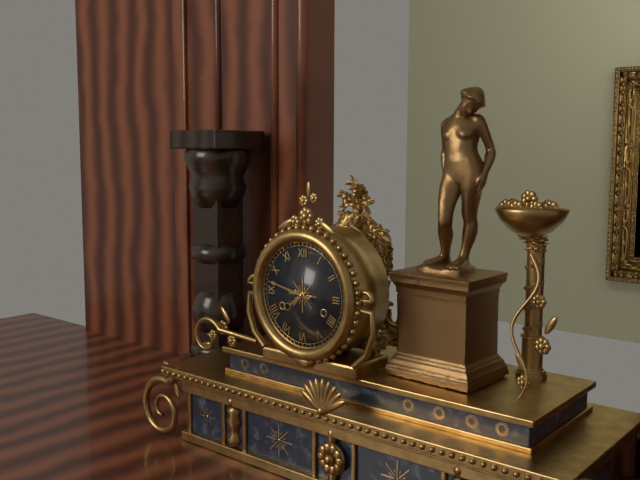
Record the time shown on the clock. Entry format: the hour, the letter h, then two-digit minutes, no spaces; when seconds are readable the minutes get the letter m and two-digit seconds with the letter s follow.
7h47
